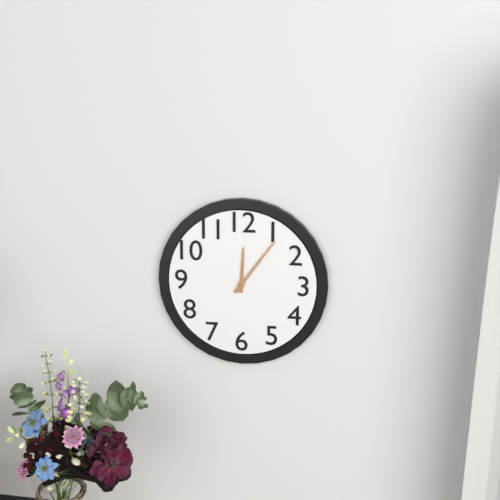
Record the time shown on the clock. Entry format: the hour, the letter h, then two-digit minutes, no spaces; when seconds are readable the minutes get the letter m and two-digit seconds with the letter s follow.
12h06
